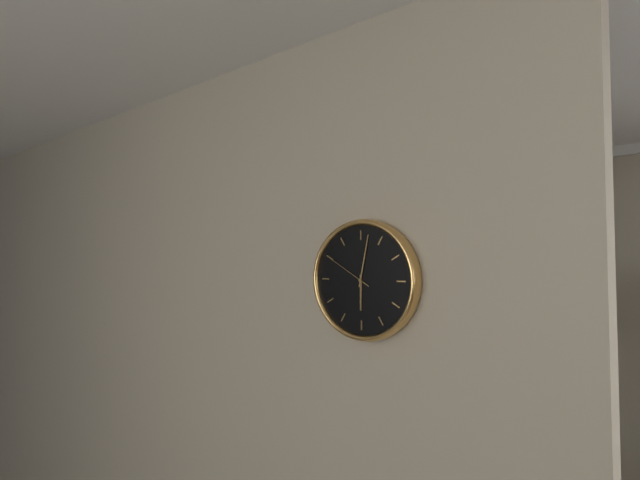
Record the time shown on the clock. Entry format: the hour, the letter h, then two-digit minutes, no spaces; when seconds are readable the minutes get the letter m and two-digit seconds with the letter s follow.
6h02m50s
